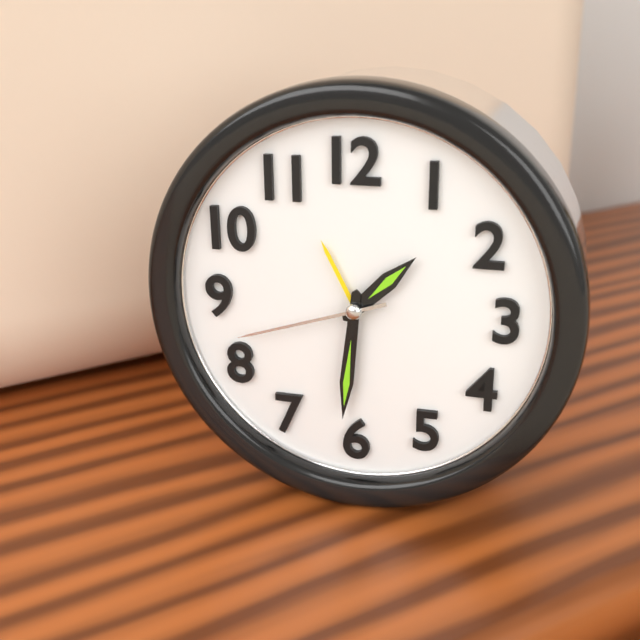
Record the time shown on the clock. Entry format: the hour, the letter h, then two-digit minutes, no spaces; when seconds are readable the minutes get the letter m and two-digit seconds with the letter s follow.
1h31m42s
